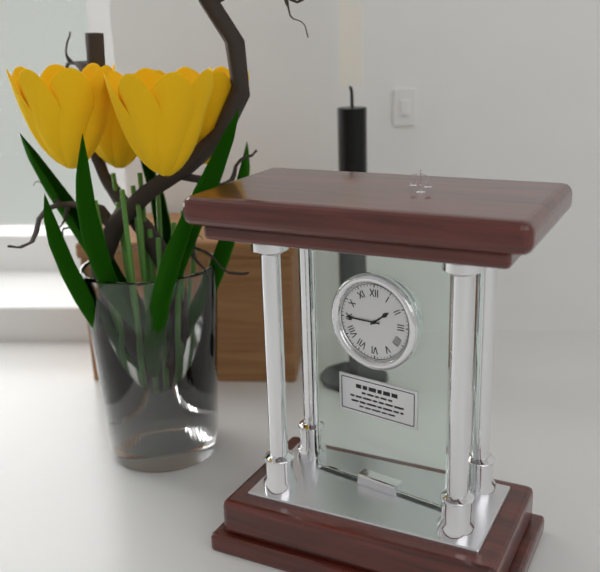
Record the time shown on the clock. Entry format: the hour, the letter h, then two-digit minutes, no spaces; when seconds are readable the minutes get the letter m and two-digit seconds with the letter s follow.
1h45
